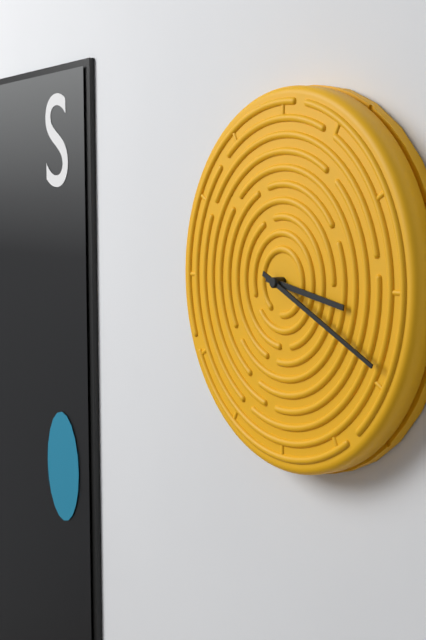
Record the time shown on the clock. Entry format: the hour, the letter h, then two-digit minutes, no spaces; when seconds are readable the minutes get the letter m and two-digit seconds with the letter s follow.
3h19
